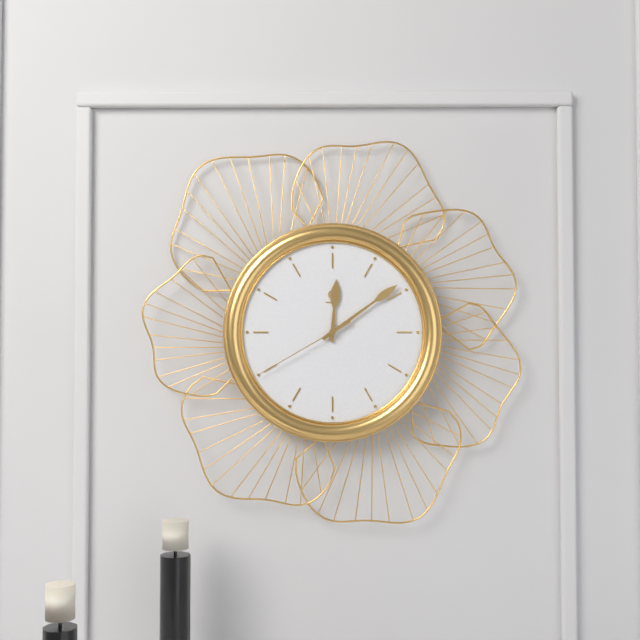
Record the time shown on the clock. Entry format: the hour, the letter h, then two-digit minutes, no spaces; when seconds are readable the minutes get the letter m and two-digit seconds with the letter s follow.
12h09m40s
